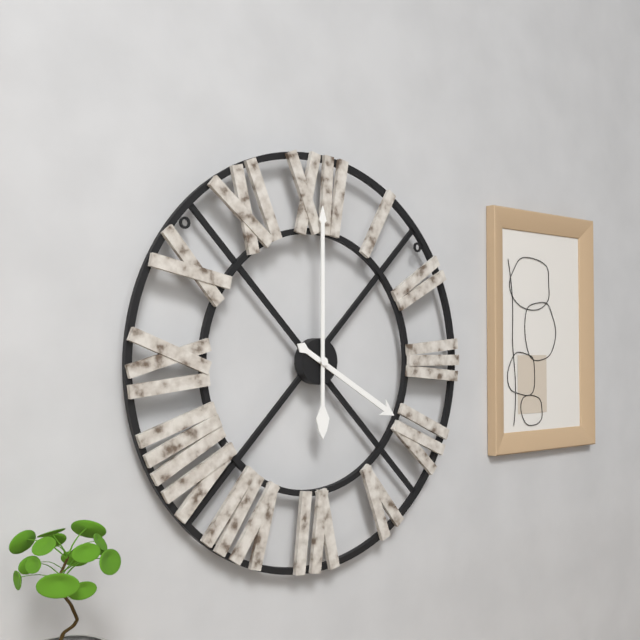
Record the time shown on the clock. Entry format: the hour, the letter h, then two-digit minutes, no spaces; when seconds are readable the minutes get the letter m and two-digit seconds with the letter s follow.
4h00
